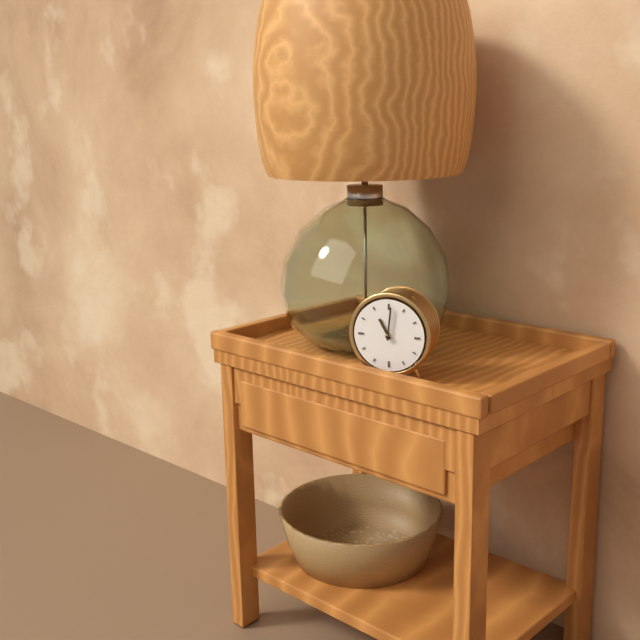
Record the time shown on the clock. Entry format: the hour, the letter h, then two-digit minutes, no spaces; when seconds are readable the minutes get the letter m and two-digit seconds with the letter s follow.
11h01
